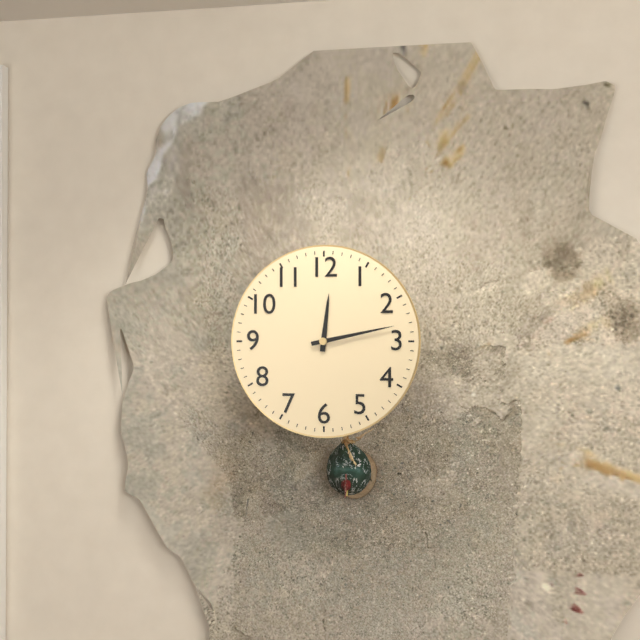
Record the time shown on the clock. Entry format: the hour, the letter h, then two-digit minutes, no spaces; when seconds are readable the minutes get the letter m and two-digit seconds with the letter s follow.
12h13
